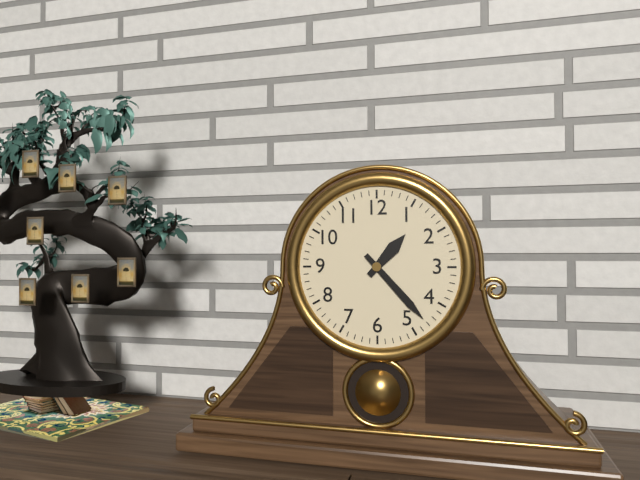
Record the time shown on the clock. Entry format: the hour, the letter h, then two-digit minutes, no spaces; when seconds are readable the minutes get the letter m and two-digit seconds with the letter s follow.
1h23
